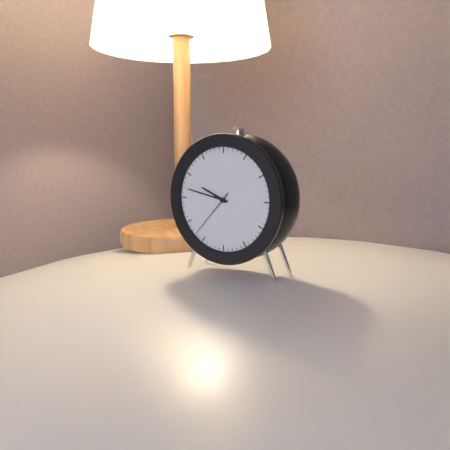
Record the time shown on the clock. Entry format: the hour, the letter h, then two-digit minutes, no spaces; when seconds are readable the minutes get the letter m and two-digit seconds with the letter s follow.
9h47m37s
